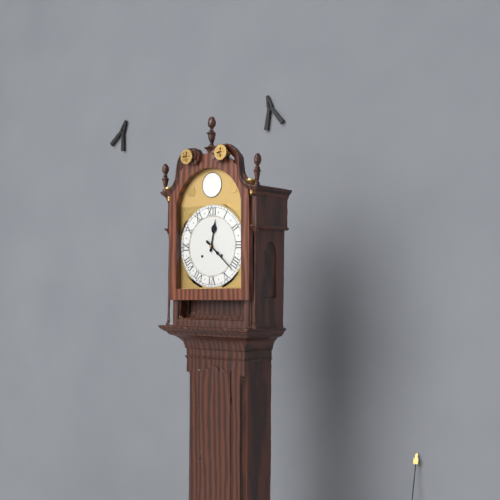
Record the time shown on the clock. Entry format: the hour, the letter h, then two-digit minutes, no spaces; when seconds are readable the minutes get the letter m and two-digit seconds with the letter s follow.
12h22
